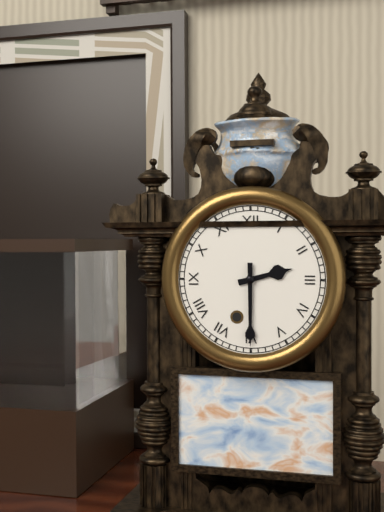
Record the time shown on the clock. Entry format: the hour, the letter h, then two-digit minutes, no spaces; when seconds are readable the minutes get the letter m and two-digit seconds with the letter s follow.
2h30
